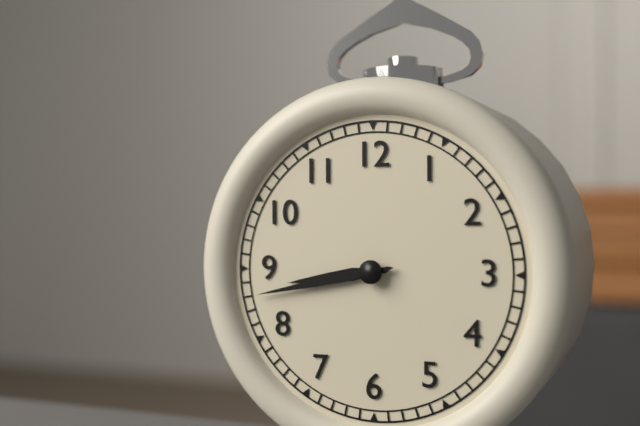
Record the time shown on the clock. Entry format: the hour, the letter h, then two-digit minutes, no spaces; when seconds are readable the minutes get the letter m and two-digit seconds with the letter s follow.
8h43
